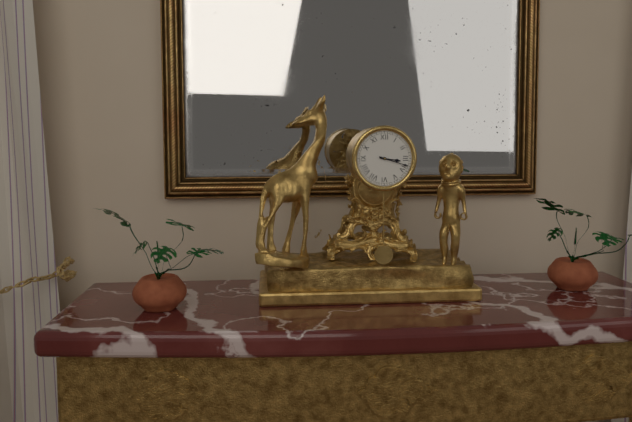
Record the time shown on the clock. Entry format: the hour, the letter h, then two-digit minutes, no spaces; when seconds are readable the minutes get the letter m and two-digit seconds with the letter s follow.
3h18
